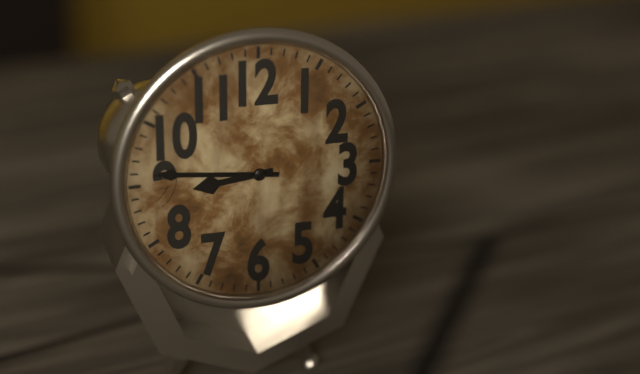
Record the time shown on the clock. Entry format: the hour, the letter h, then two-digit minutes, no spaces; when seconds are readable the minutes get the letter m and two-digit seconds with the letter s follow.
8h46
